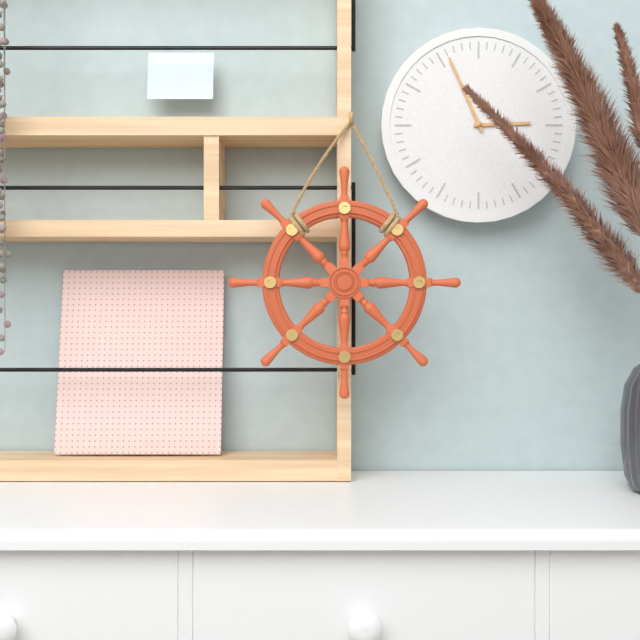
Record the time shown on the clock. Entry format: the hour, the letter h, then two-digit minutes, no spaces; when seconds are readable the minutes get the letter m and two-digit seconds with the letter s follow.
2h56
